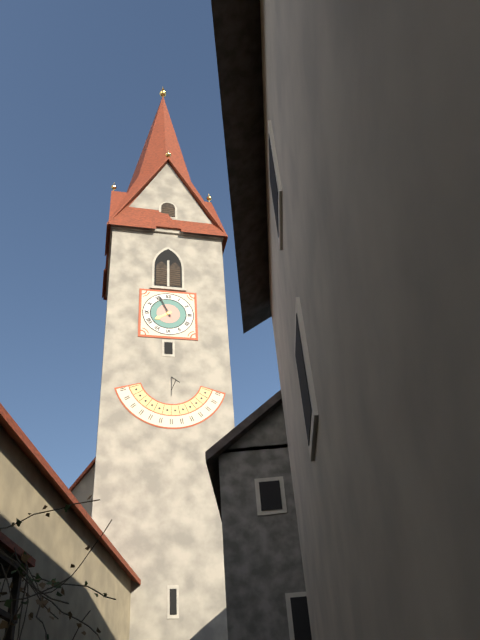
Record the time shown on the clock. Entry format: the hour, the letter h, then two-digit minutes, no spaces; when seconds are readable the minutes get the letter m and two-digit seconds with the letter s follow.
7h56
